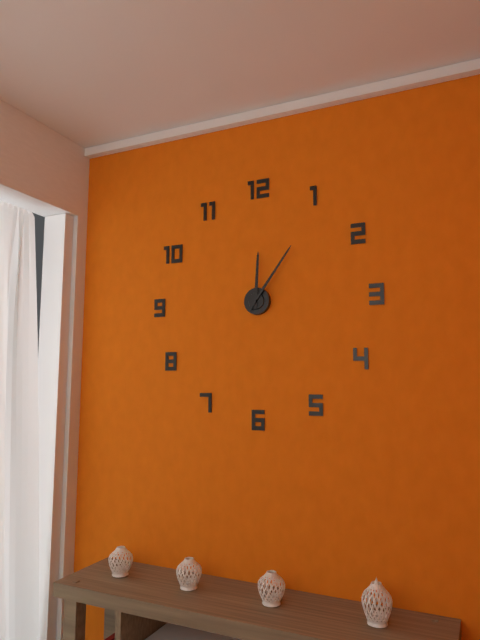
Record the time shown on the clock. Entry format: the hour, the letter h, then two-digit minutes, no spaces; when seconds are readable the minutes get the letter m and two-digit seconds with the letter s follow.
12h06
